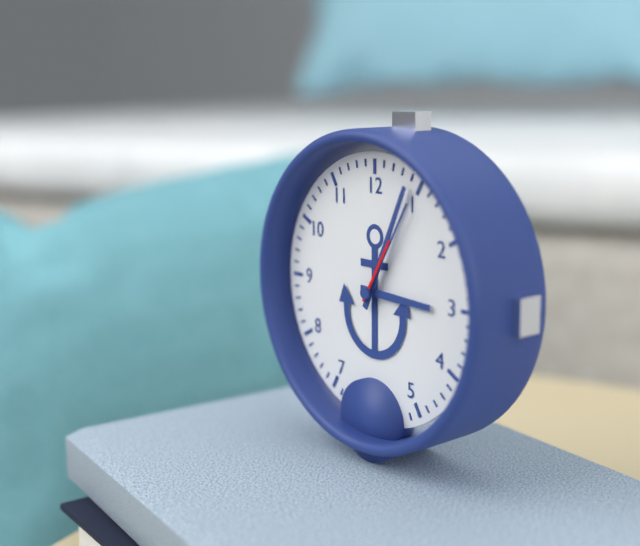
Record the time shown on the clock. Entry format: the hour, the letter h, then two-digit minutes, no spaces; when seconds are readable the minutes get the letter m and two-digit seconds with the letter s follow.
3h04m05s
